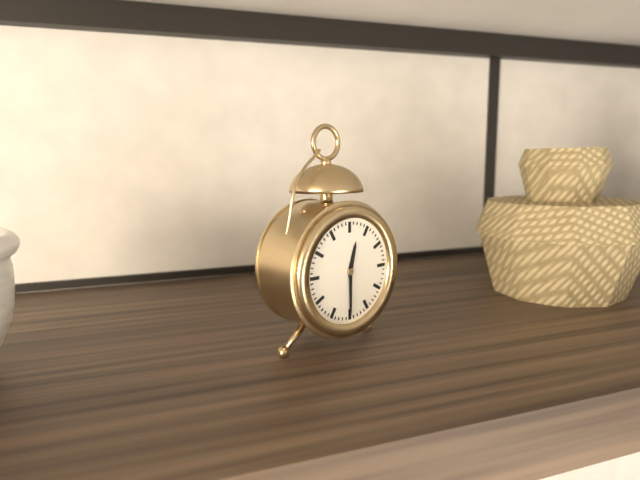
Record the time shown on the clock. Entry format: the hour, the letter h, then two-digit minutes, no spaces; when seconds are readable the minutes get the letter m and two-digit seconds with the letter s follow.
12h30
